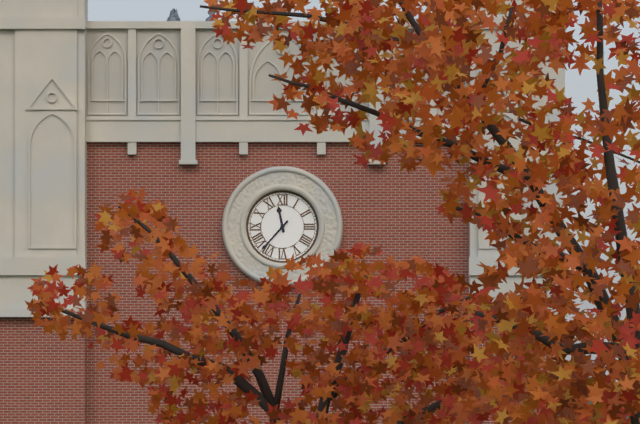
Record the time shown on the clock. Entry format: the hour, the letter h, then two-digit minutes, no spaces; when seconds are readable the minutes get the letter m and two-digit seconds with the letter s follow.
11h37
